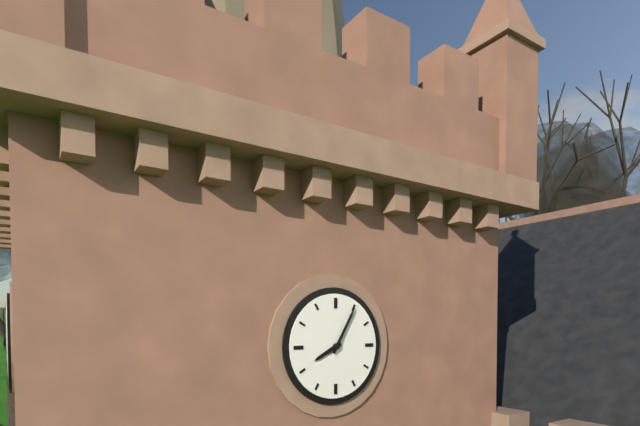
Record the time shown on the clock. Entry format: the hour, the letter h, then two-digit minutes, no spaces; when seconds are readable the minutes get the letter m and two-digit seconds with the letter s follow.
8h05
